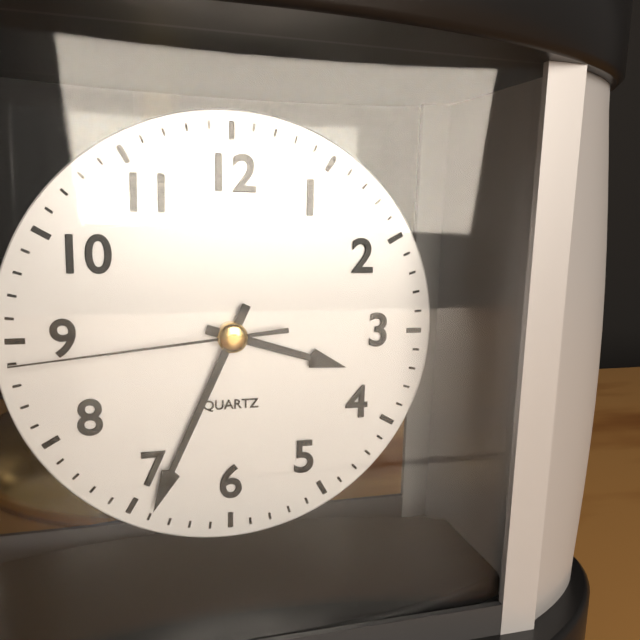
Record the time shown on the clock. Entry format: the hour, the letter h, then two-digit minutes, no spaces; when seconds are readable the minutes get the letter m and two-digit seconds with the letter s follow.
3h34m44s
